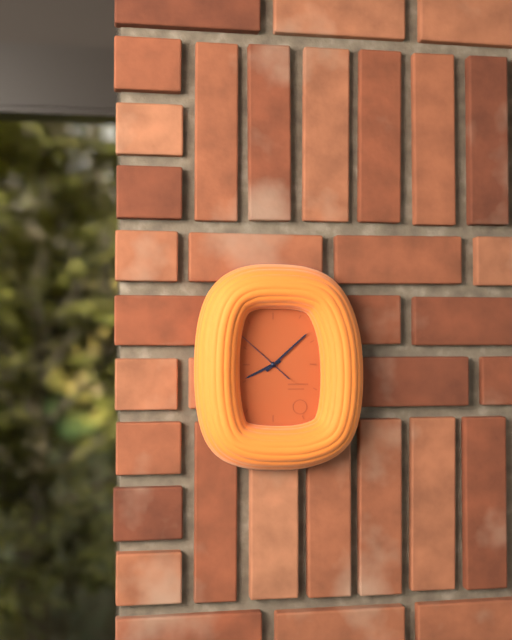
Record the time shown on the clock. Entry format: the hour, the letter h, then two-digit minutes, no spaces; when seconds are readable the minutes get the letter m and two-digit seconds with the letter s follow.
8h08m52s
